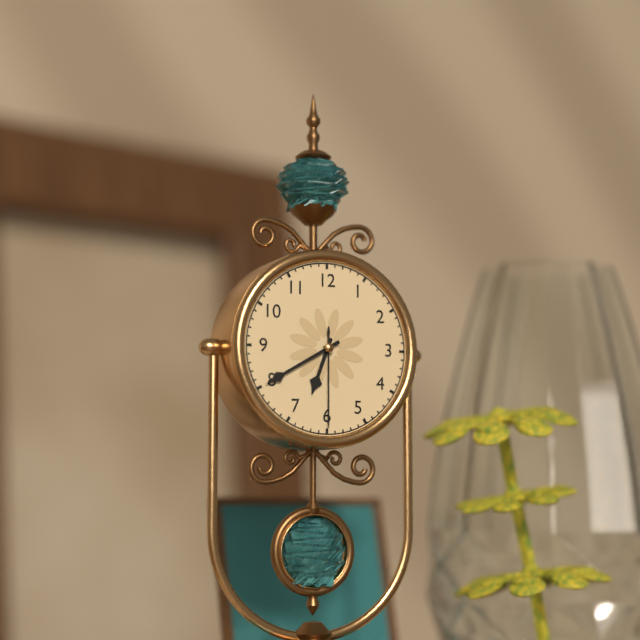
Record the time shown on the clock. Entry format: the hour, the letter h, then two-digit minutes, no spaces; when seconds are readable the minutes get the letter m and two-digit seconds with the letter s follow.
6h40m30s
